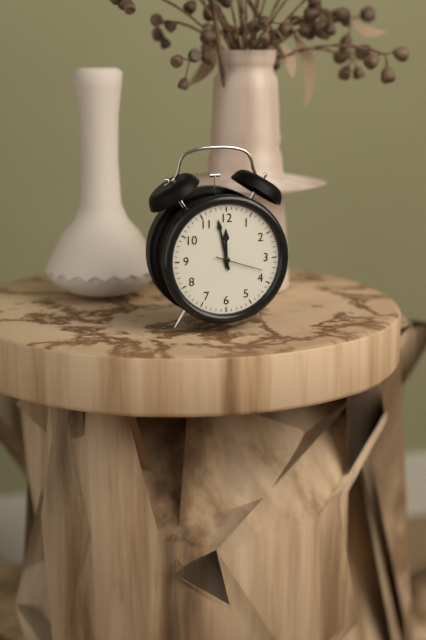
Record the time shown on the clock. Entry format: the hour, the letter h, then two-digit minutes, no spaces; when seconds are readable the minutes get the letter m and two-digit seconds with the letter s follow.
11h58
